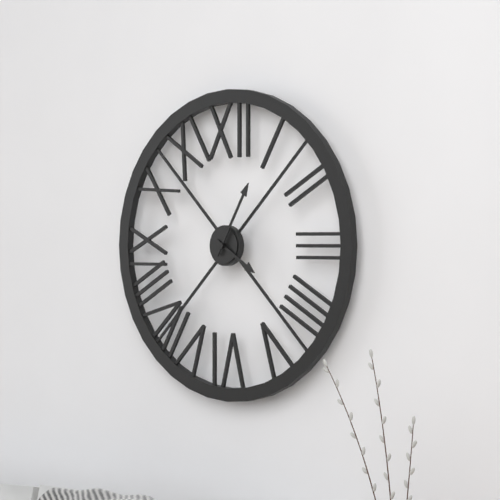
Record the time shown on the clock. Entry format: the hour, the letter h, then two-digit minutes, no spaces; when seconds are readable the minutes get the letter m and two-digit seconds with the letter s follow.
4h05
